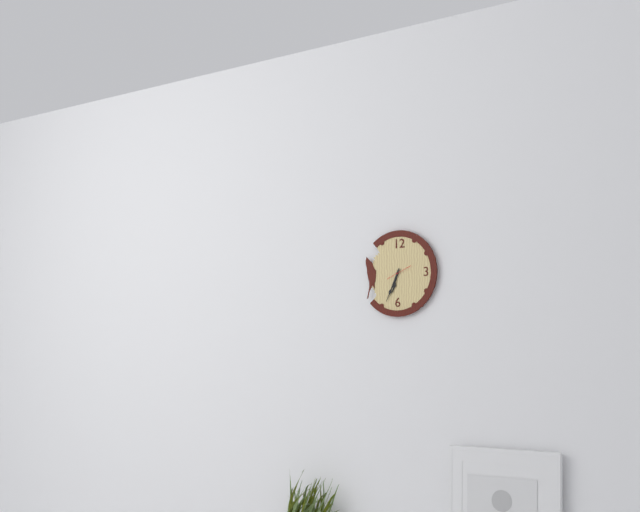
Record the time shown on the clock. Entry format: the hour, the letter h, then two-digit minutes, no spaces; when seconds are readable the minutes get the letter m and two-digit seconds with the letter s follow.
6h34
